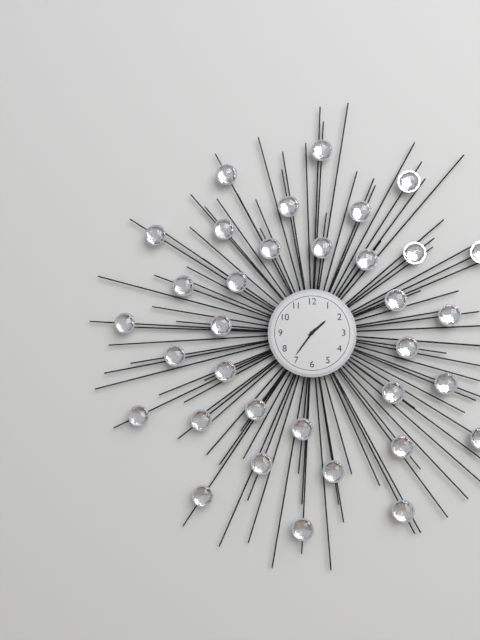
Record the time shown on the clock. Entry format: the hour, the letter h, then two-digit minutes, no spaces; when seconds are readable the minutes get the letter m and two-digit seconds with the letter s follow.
1h36
